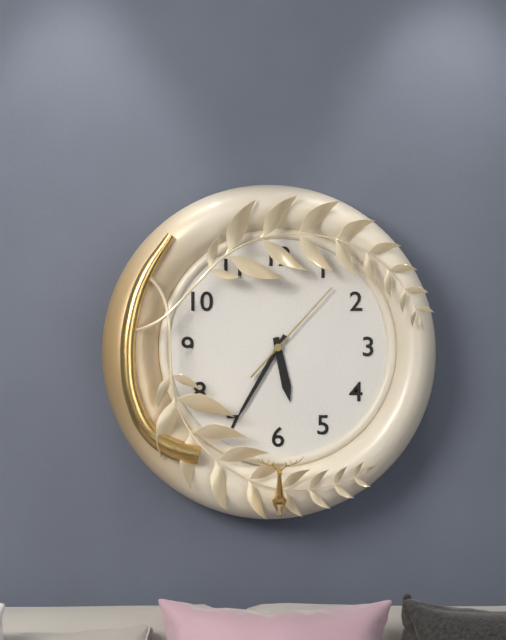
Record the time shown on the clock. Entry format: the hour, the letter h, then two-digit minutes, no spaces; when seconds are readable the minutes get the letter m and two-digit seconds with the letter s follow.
5h35m07s
